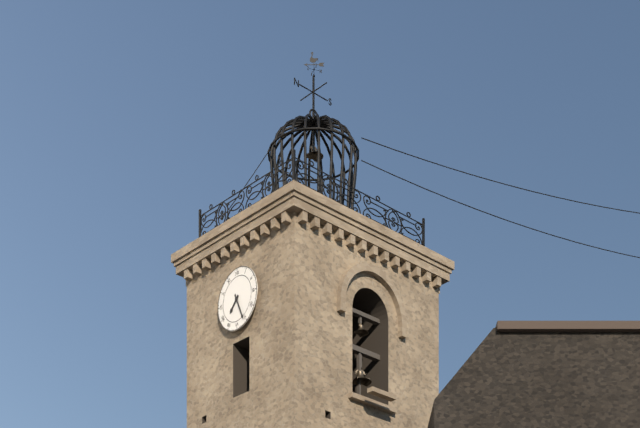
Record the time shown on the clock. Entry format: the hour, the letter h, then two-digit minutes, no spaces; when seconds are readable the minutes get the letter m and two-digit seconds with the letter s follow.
7h26
